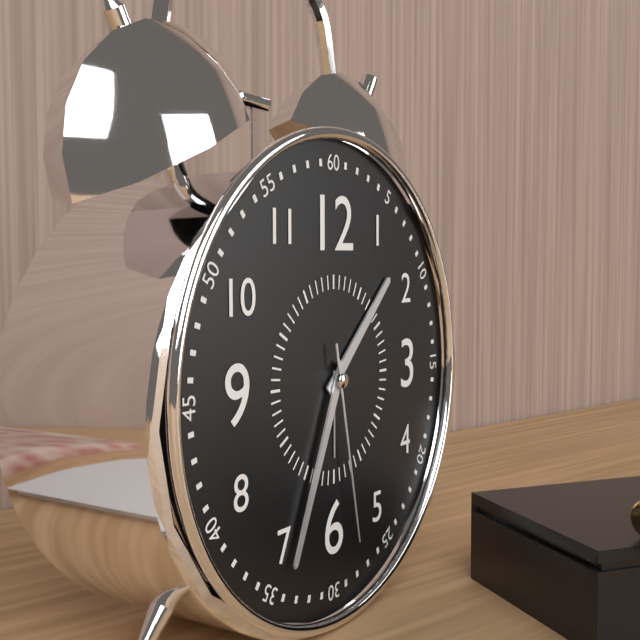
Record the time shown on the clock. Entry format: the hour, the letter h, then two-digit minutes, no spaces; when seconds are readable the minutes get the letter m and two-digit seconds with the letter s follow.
1h34m28s
